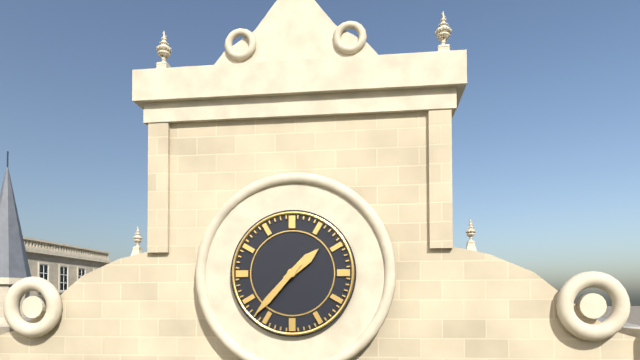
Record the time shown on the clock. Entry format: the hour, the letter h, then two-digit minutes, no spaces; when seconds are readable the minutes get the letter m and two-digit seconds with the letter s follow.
1h37
